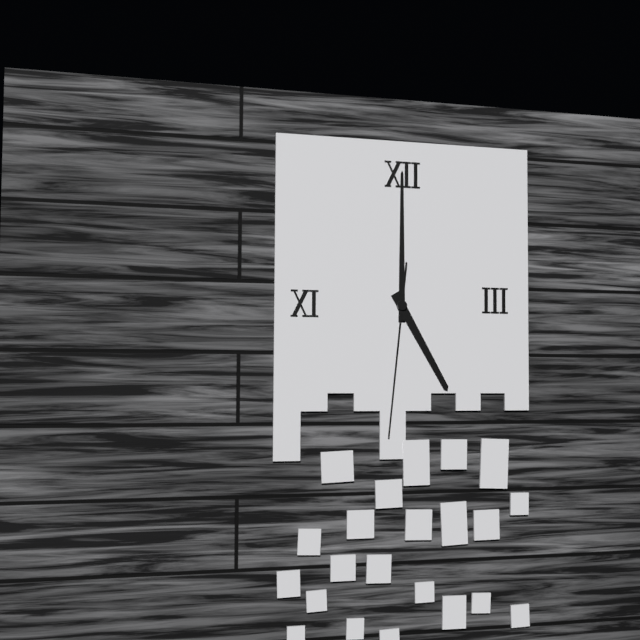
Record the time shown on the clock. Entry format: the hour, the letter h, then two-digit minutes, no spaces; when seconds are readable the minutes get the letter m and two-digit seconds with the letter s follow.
5h00m31s
